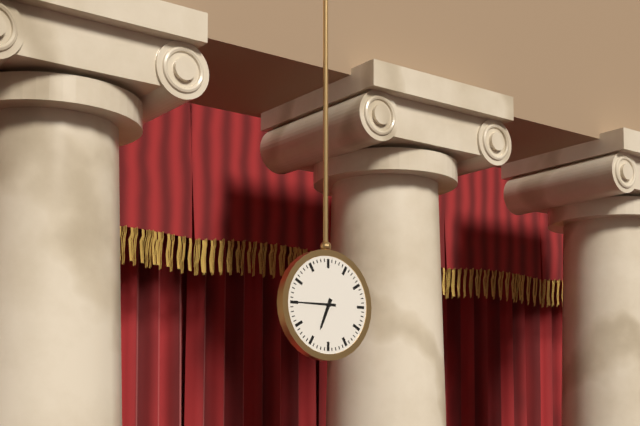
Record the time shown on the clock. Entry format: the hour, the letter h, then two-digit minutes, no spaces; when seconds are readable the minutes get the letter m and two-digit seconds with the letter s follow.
6h45
